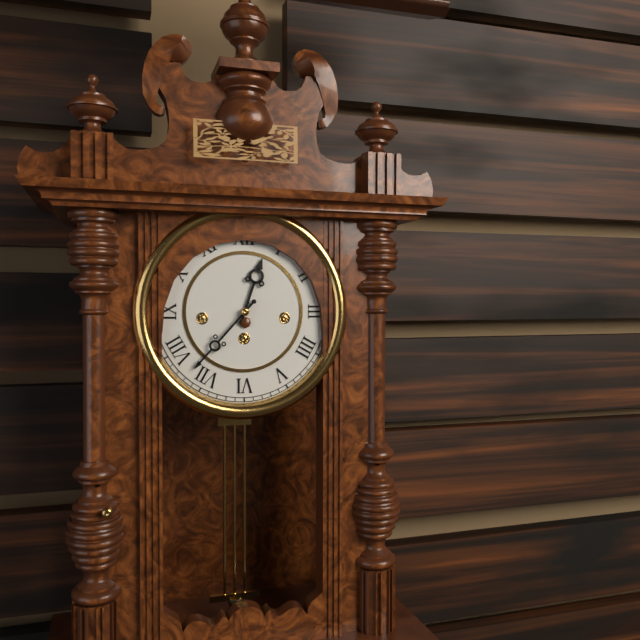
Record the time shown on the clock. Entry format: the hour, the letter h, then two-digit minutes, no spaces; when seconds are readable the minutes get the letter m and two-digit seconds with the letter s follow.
12h37
